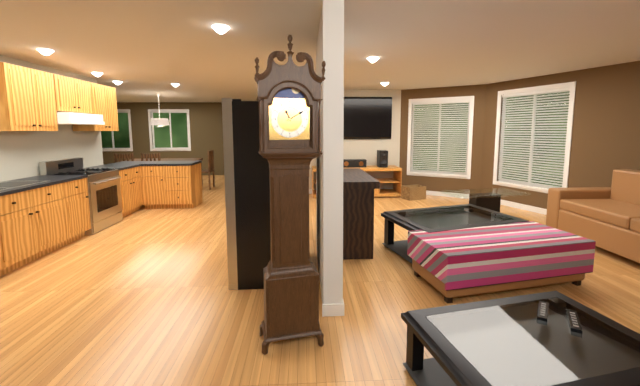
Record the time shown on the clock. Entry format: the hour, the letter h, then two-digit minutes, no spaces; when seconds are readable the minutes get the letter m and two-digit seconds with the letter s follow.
11h10
